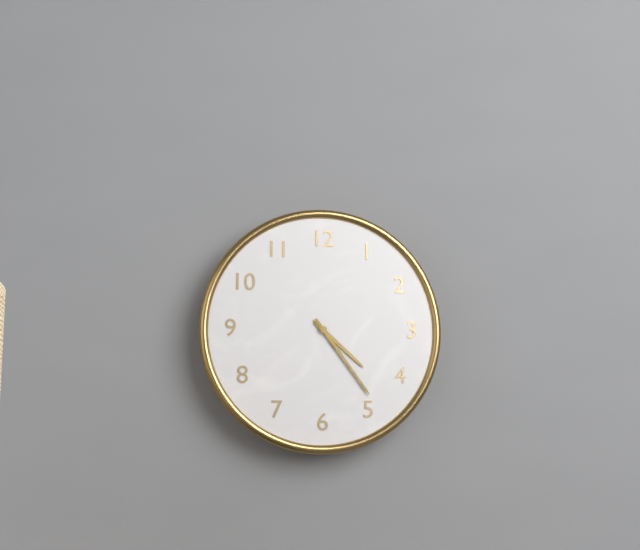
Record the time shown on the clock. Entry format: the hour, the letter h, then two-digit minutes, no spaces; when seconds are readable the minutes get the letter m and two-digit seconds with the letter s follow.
4h24
